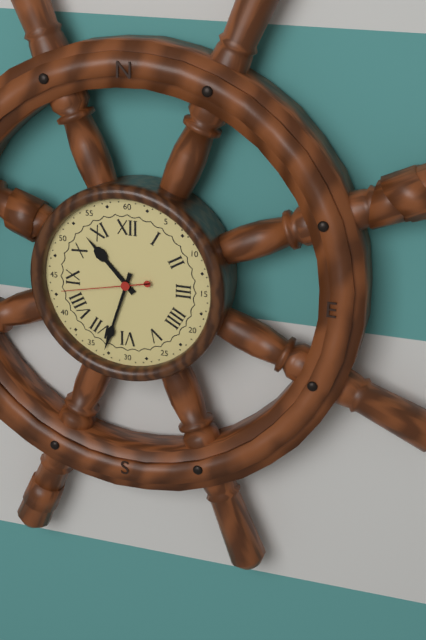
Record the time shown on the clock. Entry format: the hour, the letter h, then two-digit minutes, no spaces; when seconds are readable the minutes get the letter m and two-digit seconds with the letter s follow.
10h33m43s
